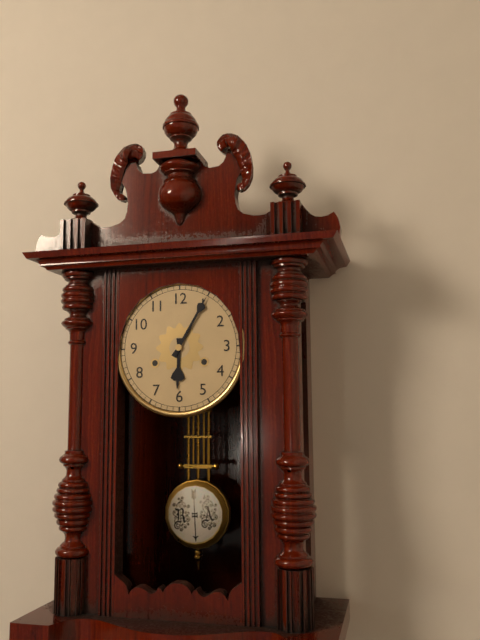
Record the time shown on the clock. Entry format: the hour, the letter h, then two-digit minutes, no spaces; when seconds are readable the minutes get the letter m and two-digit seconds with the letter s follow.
6h05
